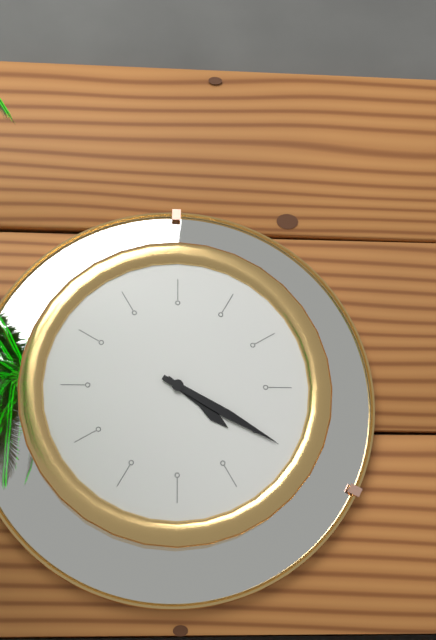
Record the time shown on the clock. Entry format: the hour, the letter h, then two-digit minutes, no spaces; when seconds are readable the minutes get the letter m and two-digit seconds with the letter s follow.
4h20
